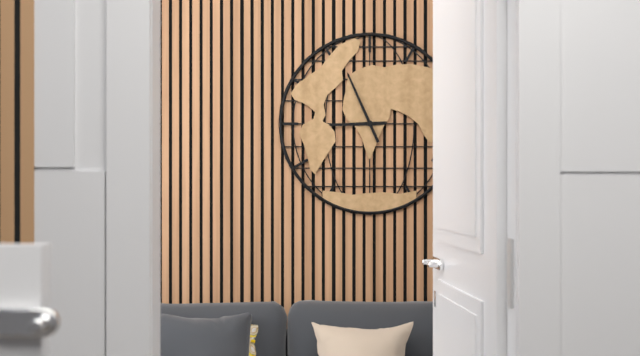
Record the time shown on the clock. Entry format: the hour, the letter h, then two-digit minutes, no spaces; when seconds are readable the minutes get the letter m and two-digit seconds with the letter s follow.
8h56
